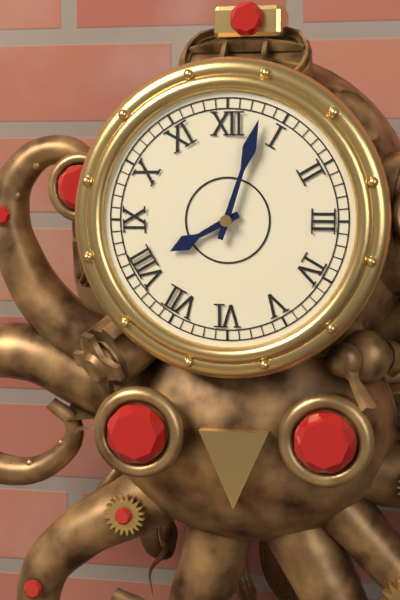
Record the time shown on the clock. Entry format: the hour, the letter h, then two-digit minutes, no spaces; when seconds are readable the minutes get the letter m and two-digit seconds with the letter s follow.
8h03
